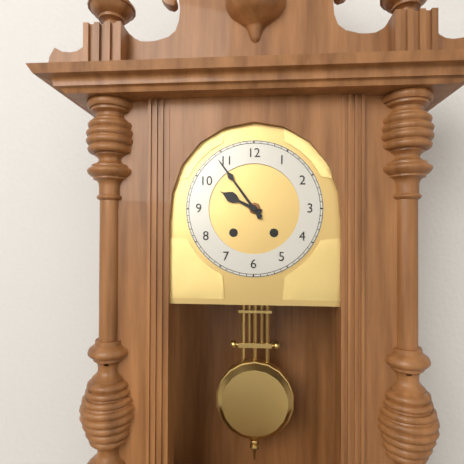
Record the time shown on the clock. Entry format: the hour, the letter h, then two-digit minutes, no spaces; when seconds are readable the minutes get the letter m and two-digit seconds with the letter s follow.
9h54
